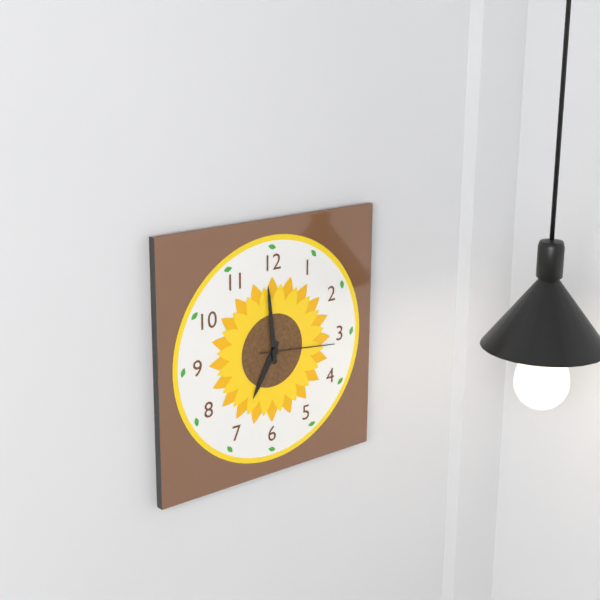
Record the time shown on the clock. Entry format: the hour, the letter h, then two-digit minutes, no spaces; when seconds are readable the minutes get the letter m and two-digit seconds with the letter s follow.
6h59m16s
